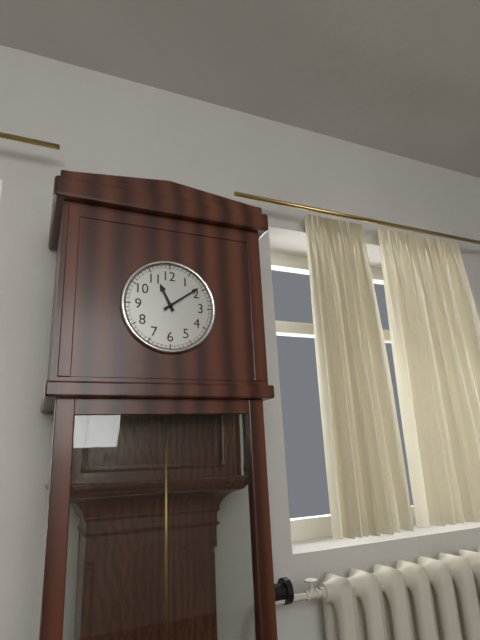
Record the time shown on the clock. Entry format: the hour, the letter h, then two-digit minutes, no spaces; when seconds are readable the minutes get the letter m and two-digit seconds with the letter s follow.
11h09
